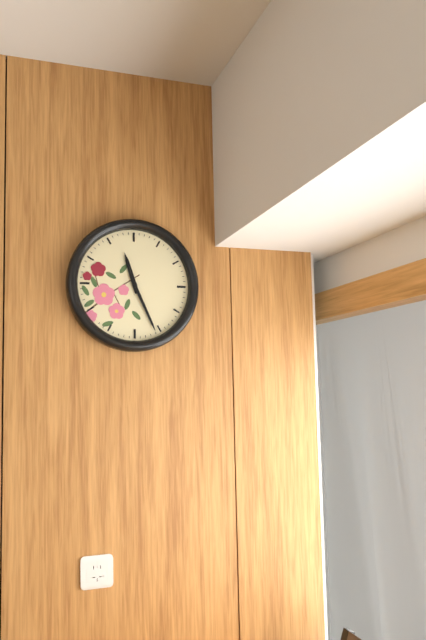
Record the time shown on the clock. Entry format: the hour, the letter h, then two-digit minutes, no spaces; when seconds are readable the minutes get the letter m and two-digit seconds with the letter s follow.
11h26
